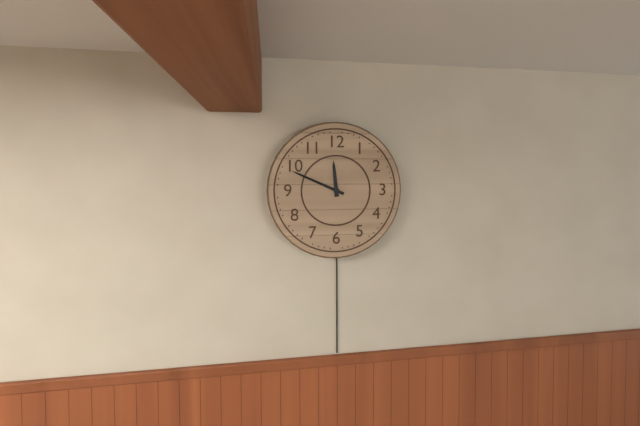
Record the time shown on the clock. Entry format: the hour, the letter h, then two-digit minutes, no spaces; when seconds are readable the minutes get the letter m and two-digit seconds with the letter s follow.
11h49
